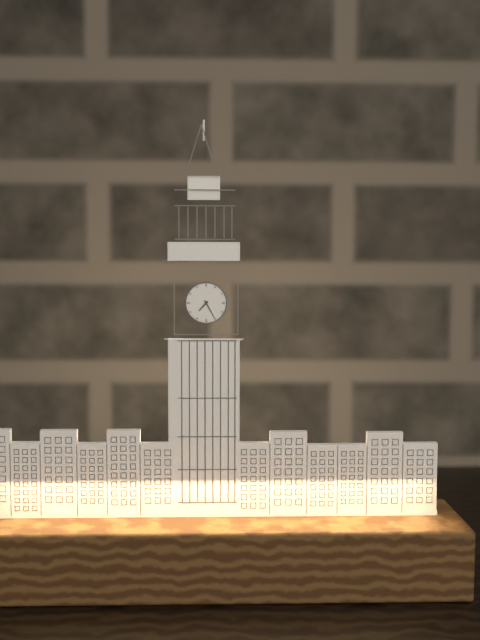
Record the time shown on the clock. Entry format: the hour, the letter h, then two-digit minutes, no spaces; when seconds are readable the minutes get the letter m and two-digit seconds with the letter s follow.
7h25
